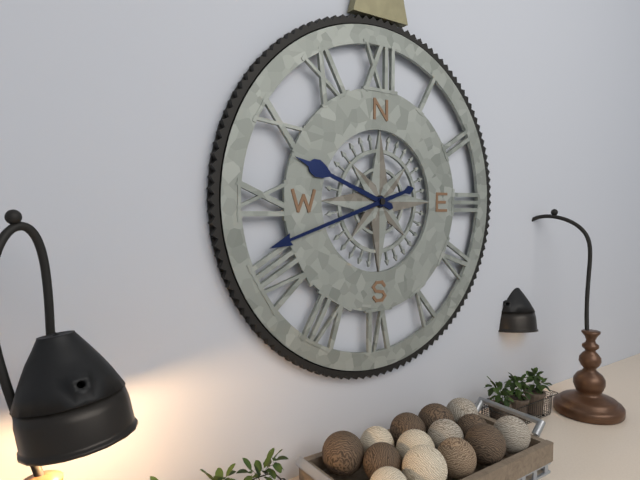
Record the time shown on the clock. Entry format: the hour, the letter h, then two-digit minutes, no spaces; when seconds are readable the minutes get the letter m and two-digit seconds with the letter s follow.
9h42
